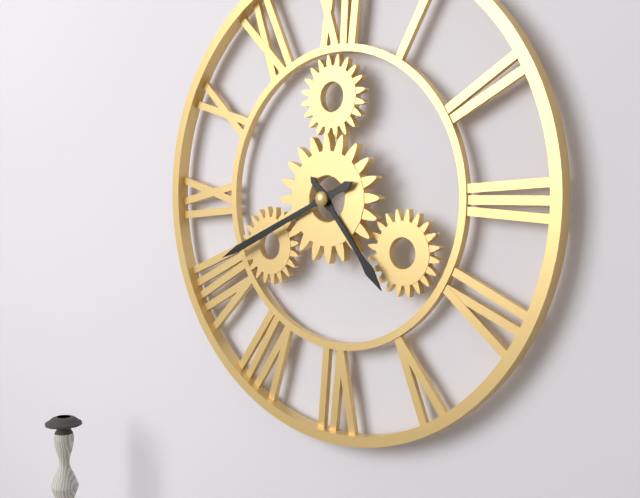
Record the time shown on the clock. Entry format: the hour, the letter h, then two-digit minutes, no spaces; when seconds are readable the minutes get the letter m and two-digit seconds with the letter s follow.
4h41
